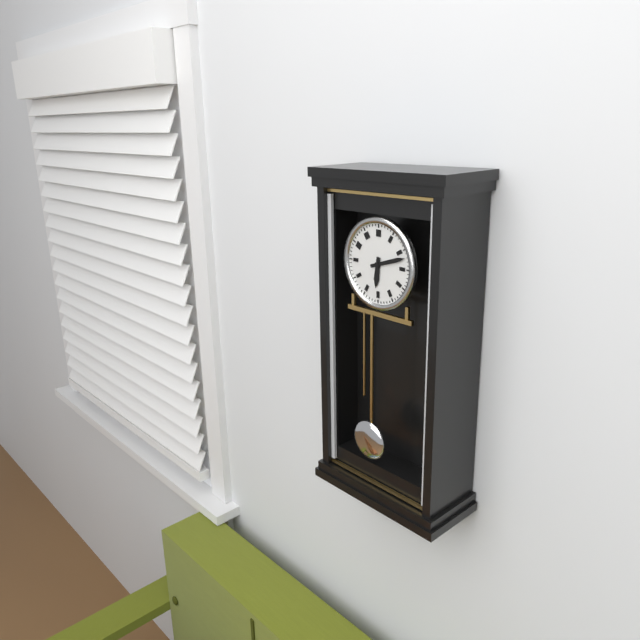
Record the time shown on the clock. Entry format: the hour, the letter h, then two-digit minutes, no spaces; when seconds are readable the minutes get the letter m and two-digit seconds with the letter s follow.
6h12
